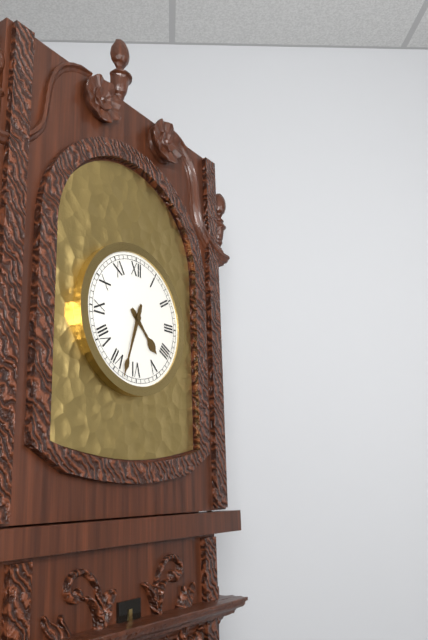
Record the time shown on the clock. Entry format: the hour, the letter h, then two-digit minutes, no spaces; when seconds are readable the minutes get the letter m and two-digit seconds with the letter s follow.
4h33
